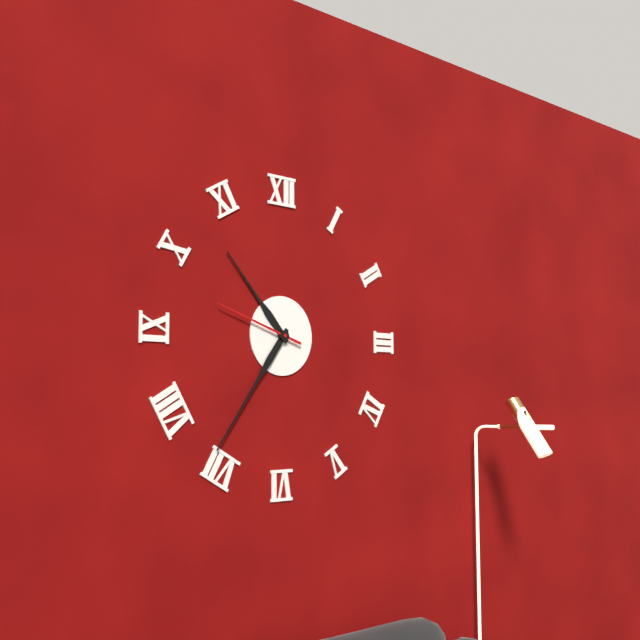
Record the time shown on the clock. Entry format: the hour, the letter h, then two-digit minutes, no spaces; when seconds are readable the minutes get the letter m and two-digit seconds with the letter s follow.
10h36m48s
